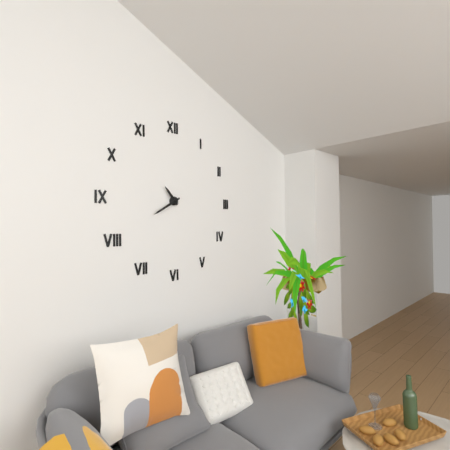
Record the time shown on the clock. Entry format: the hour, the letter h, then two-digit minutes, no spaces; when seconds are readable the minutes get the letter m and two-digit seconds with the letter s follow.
10h40
